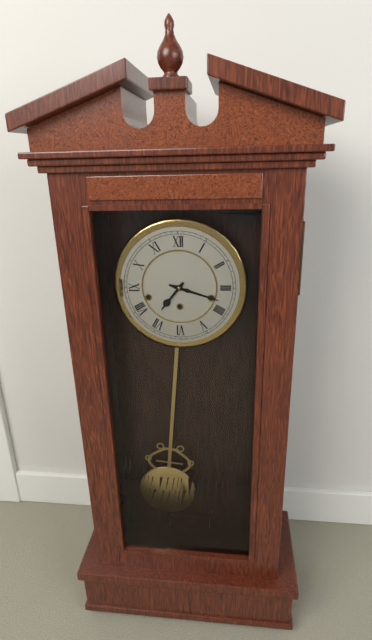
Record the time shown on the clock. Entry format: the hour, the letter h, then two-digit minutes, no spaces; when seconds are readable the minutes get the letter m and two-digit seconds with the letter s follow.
7h18
